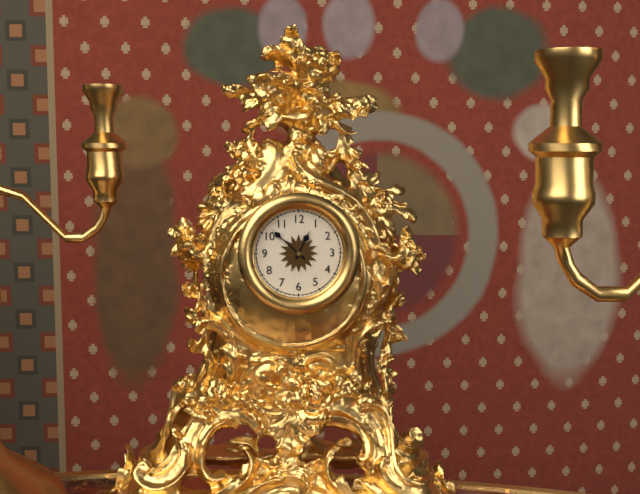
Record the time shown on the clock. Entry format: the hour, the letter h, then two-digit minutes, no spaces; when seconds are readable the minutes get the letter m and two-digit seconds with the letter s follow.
12h52
